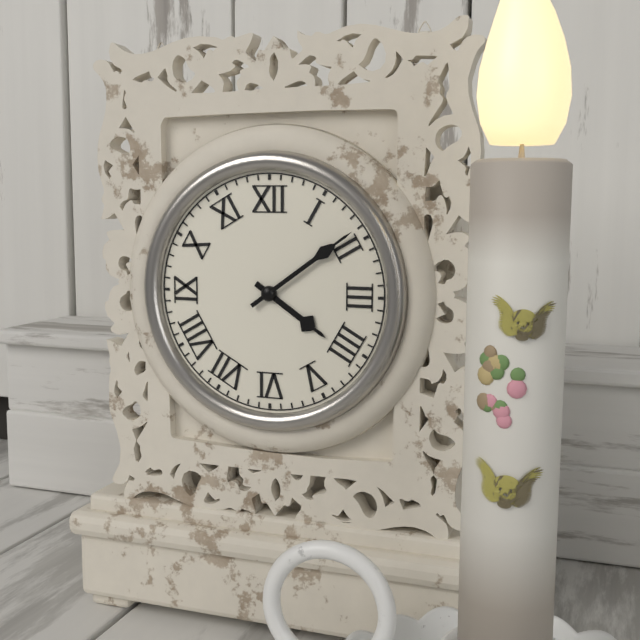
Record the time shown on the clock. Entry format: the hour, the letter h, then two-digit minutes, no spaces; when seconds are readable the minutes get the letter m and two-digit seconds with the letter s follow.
4h09
